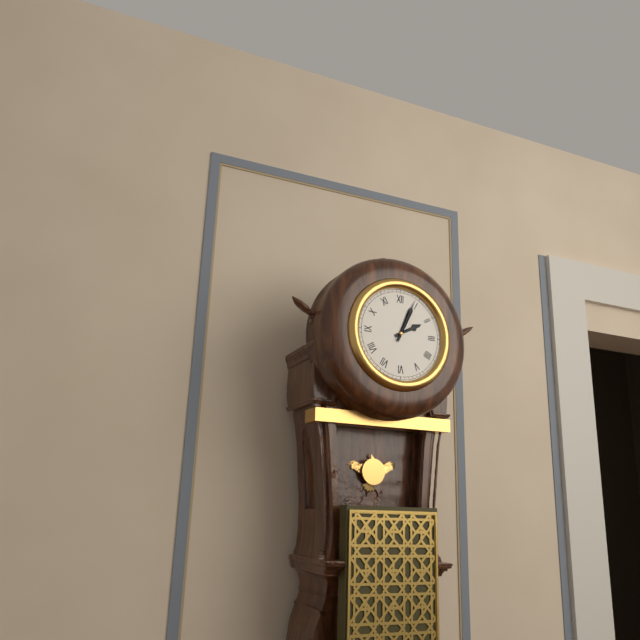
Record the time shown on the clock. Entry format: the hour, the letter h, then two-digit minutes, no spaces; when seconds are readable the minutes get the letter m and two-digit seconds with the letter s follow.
2h04
